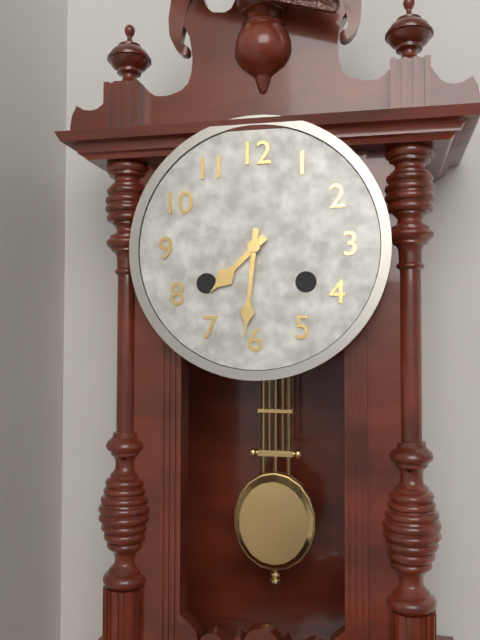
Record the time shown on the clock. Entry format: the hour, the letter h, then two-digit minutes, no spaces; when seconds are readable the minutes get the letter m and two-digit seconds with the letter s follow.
7h31
